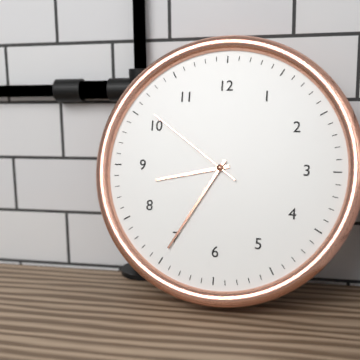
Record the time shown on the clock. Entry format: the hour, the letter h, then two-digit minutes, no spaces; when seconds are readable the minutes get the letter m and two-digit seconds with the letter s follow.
8h35m51s
